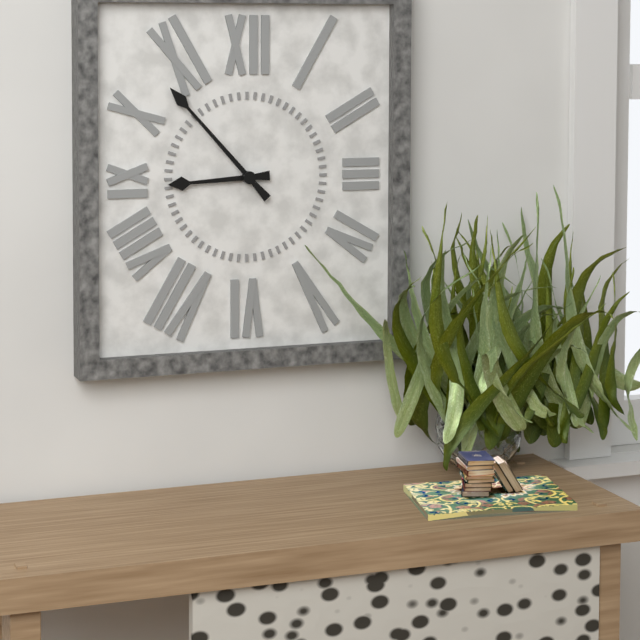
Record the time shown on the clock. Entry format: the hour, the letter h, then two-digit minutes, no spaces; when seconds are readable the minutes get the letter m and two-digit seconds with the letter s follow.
8h53
